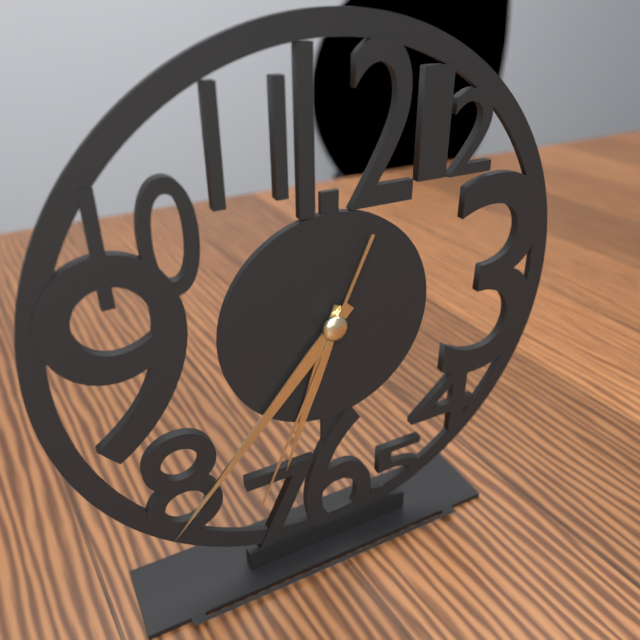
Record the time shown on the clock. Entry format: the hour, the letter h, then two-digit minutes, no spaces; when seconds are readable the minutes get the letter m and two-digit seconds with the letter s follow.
6h37m34s
